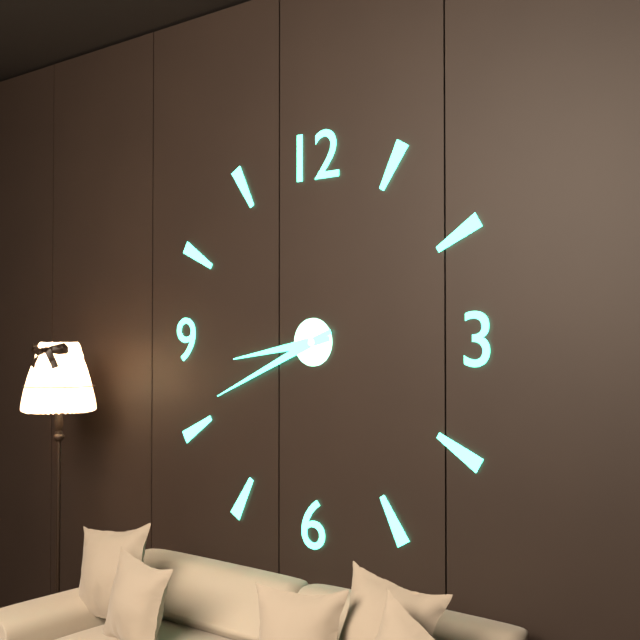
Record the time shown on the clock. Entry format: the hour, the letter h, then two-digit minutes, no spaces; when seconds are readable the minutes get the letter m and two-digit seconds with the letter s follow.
8h41
